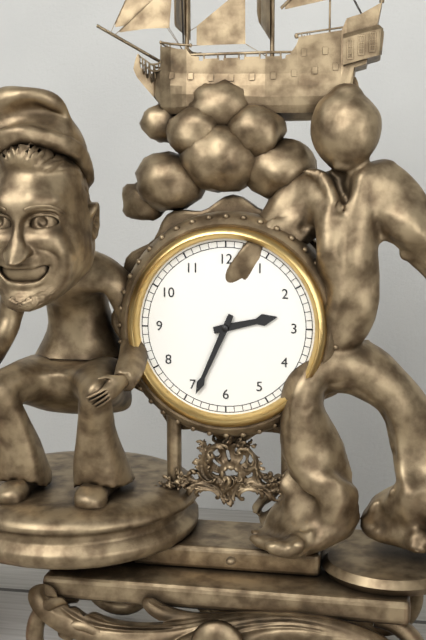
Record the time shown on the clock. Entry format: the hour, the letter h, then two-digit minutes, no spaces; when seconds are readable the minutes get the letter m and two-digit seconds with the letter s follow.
2h34
